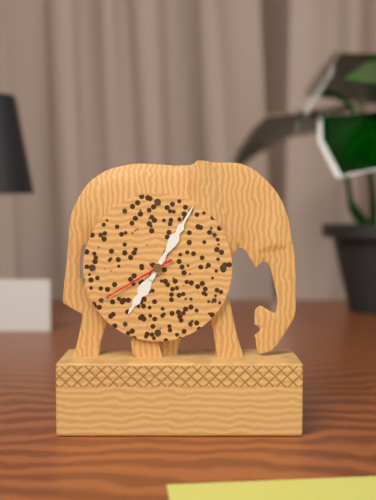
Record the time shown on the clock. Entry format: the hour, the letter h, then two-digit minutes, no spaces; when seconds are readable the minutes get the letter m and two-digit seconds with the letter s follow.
7h05m40s
